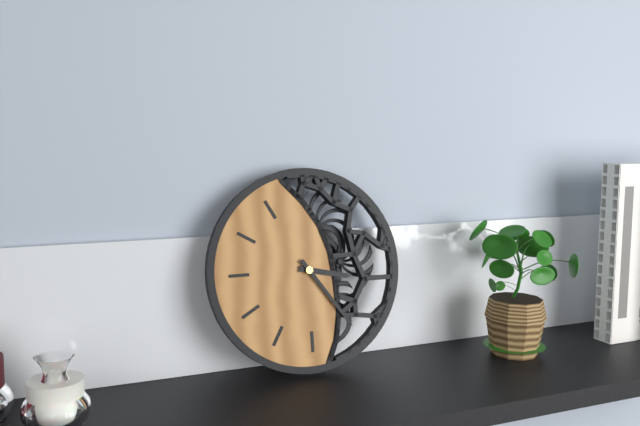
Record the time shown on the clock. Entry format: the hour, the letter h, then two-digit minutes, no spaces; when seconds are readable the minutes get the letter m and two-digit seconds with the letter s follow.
3h24
